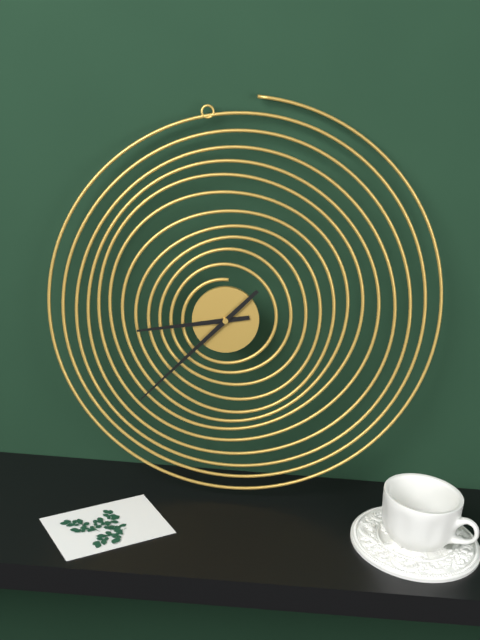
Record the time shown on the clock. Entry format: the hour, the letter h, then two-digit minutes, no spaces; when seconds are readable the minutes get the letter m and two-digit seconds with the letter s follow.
8h37
